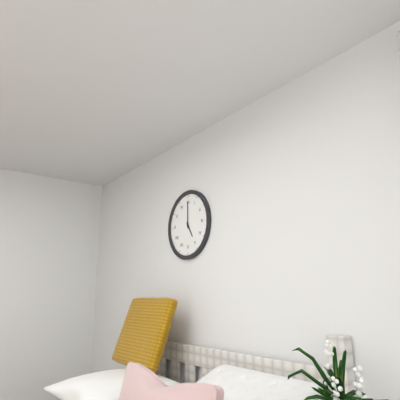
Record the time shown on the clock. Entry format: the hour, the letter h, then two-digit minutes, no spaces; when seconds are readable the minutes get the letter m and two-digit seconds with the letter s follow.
5h00
